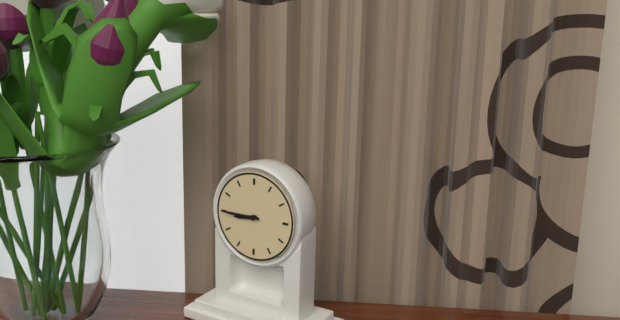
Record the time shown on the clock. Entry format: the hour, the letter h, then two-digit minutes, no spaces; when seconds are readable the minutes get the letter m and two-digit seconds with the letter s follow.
8h45
